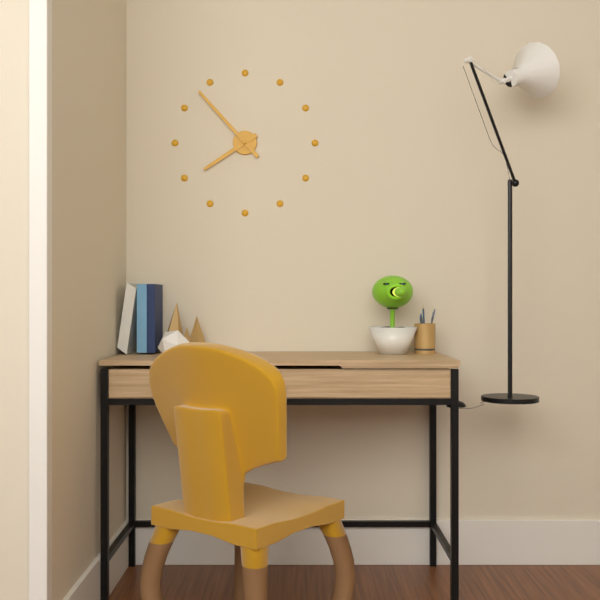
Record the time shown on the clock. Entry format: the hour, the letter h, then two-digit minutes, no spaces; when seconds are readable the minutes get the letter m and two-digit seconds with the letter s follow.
7h53
